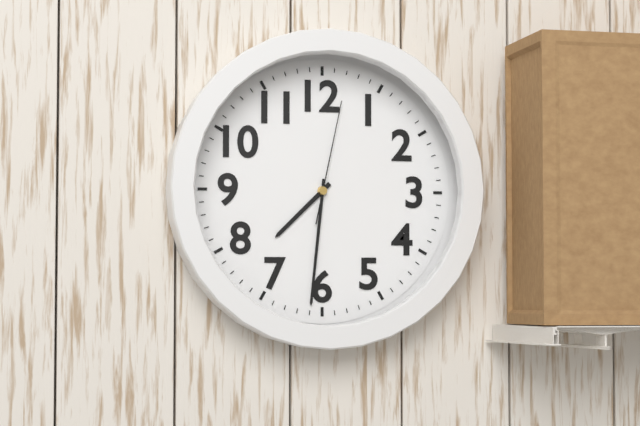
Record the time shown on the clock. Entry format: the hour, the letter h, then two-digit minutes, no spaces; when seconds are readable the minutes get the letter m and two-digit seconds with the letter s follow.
7h31m02s
